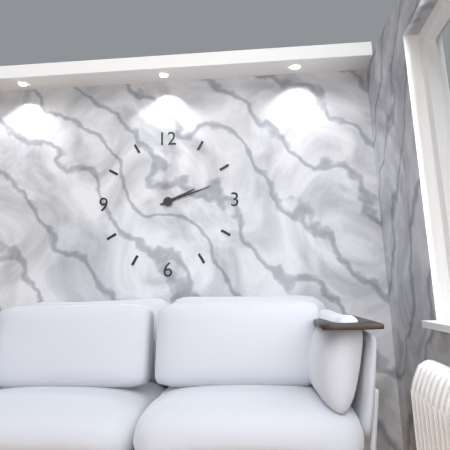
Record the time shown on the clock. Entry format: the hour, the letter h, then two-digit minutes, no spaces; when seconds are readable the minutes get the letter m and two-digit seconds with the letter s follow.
2h12
